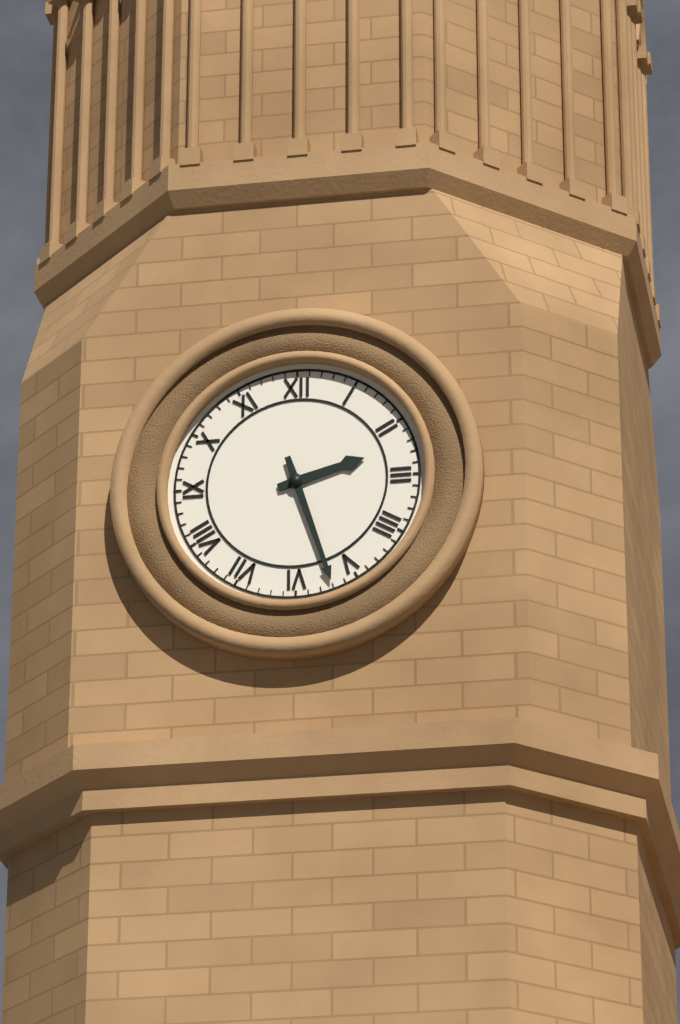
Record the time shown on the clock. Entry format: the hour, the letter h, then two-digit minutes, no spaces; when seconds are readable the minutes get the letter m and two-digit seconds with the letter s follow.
2h27
